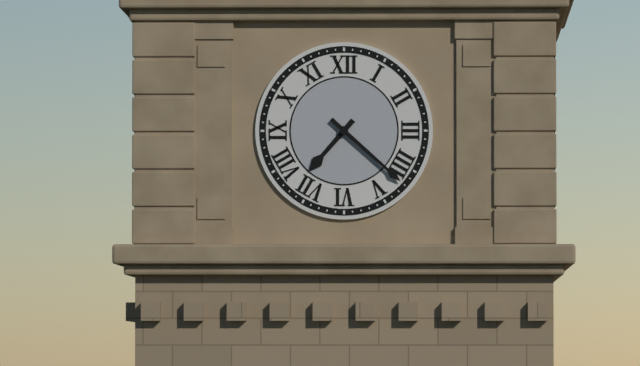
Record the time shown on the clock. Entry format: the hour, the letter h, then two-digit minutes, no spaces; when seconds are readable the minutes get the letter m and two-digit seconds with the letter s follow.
7h22
